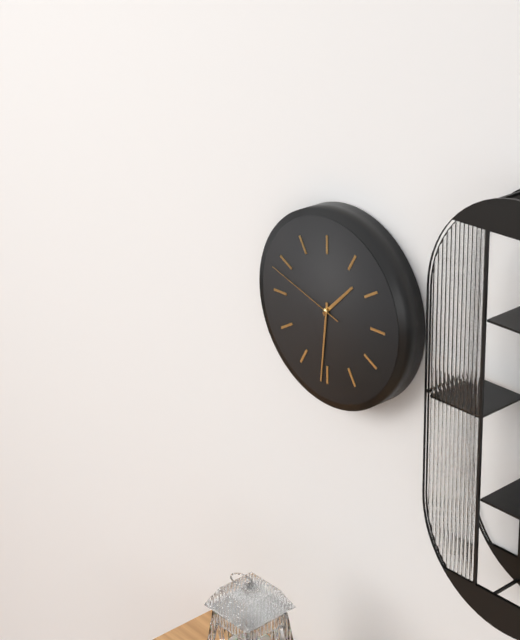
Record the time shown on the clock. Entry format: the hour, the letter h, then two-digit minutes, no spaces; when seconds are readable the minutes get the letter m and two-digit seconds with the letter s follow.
1h31m48s
